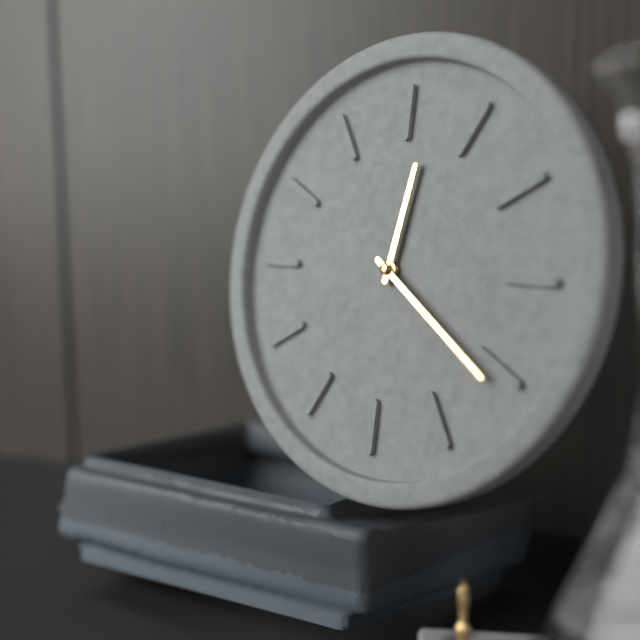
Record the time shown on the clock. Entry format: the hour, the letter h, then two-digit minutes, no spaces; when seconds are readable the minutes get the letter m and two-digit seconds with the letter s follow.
12h21
